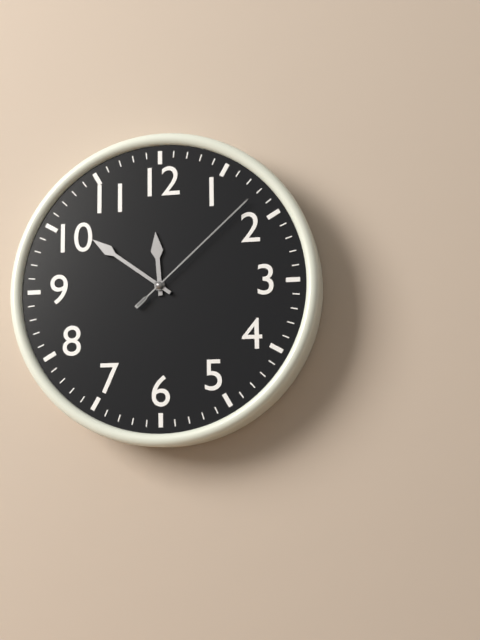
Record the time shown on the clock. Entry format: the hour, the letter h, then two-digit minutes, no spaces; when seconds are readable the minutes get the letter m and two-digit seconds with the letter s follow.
11h51m08s
